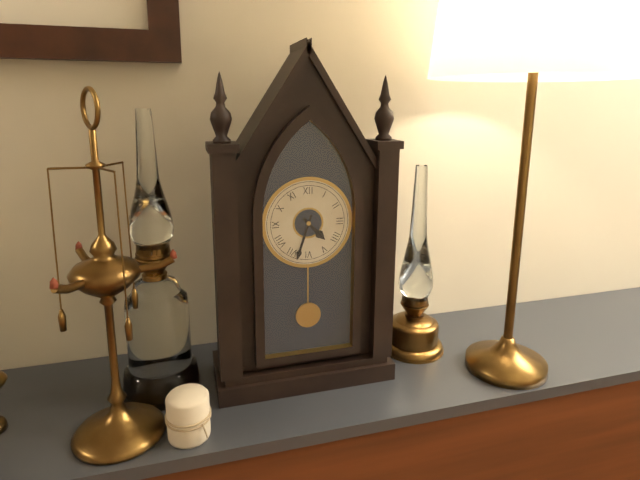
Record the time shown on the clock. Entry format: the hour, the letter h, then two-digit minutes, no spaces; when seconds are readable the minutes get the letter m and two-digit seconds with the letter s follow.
4h33
